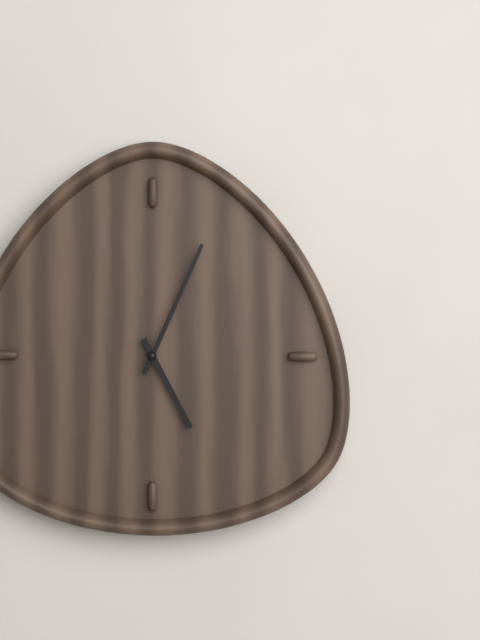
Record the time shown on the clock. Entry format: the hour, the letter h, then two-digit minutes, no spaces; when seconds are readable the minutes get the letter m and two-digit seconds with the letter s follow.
5h04
